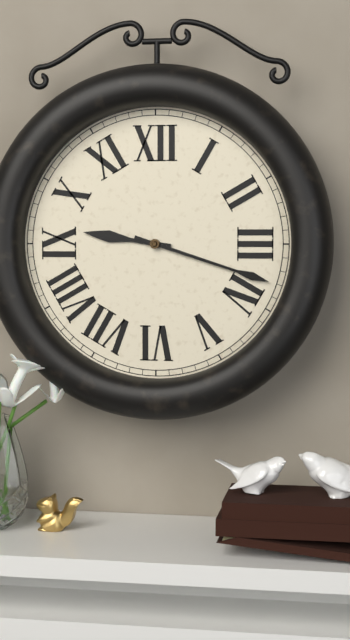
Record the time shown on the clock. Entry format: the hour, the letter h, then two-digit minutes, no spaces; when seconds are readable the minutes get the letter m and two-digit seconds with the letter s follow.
9h18
